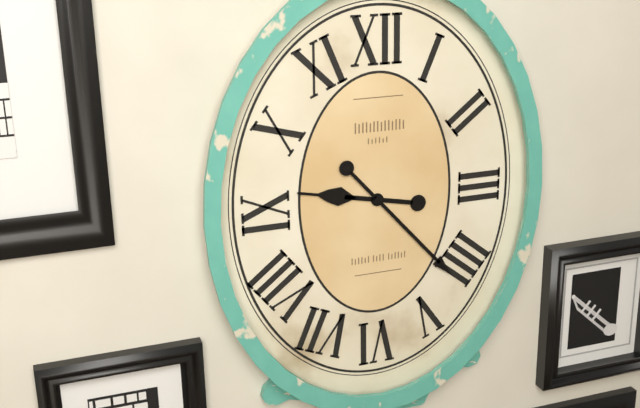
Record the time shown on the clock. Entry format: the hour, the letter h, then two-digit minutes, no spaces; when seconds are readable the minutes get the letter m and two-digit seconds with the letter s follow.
9h23
